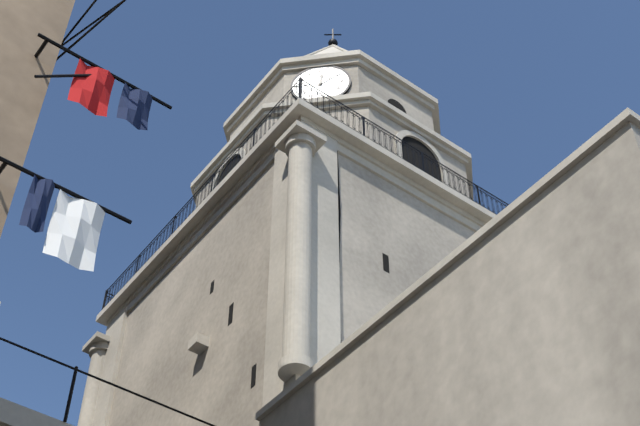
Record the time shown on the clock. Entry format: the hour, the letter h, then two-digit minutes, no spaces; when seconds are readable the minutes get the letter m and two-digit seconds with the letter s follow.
12h09
